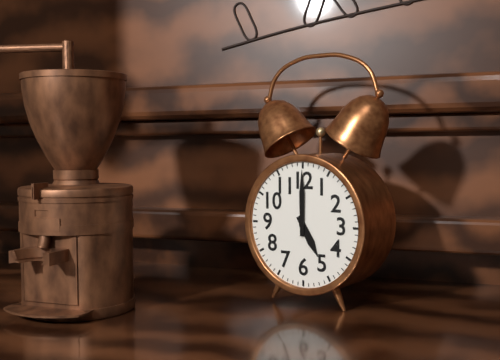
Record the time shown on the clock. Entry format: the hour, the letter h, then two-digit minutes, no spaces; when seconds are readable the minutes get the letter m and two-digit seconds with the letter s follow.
5h00
